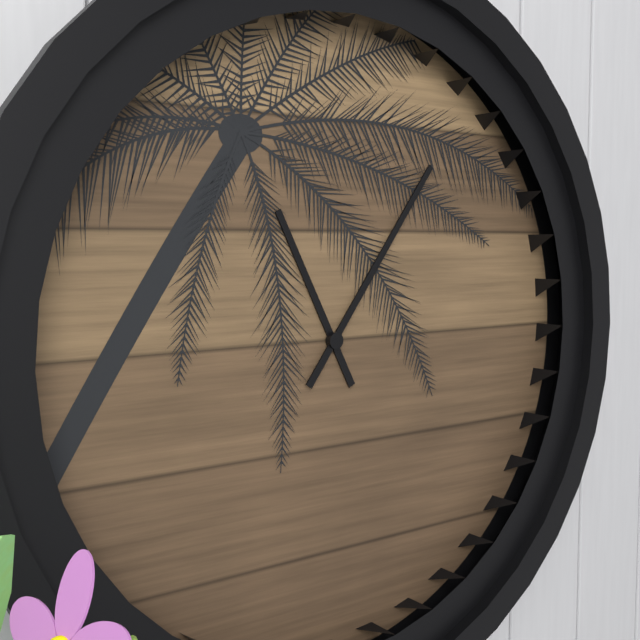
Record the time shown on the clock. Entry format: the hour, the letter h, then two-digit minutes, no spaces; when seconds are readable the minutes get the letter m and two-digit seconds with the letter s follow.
11h06
